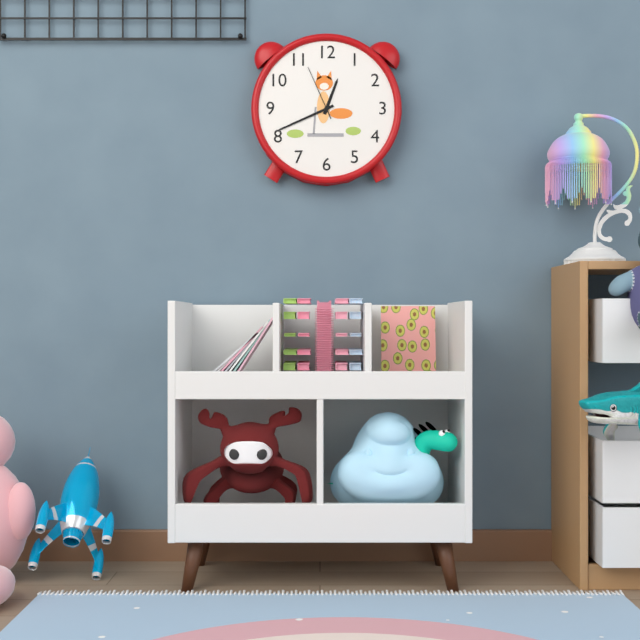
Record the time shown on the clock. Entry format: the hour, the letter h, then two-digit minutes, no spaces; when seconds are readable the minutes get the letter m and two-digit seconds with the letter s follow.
12h41m56s
